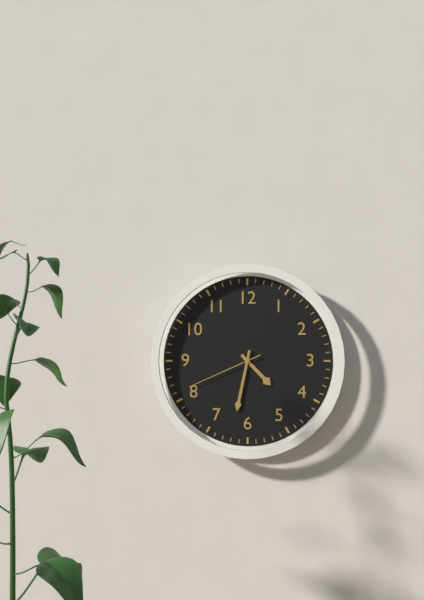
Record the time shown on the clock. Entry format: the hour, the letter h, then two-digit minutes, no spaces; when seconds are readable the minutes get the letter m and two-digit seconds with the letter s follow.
4h32m41s
